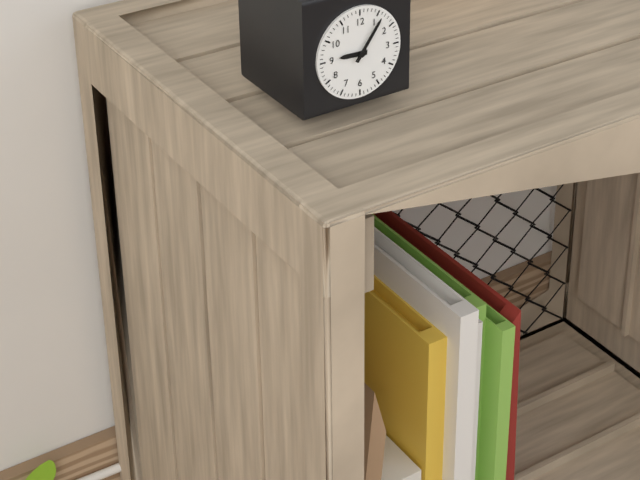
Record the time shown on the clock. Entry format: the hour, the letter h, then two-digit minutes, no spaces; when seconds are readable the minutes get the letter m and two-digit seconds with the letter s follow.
9h06
